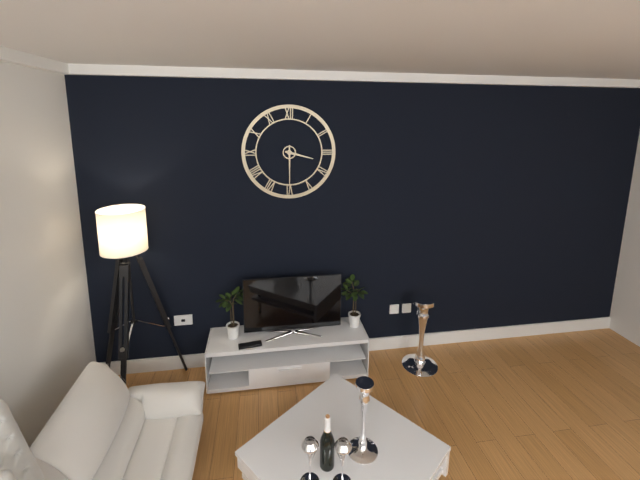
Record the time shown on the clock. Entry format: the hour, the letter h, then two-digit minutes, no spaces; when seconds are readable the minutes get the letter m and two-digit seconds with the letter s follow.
3h30
